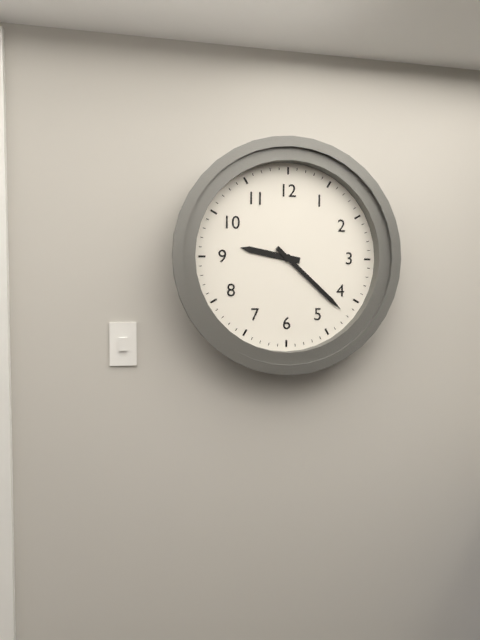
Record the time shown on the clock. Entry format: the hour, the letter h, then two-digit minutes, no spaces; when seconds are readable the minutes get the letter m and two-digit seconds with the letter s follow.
9h22
